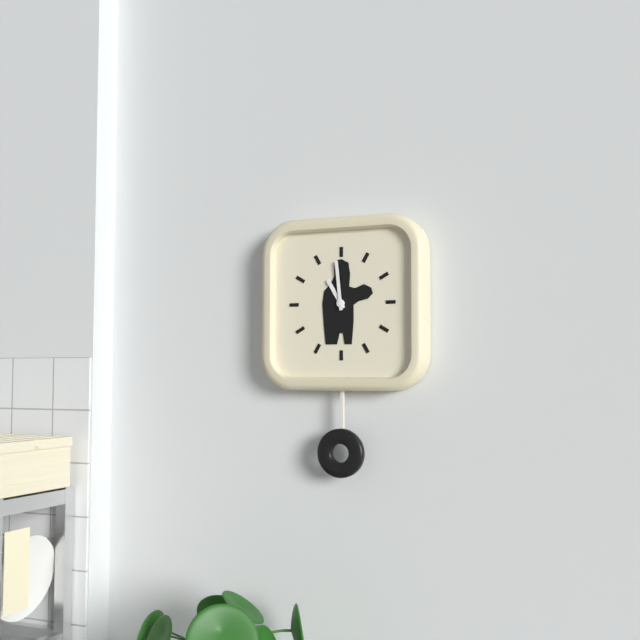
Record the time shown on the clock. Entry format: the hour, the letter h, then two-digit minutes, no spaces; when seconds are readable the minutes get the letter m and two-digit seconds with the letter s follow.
10h59
